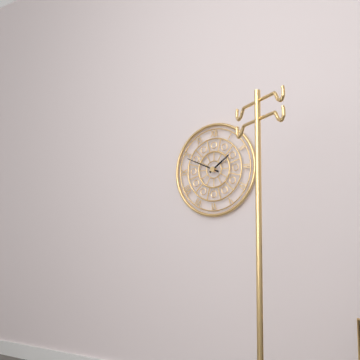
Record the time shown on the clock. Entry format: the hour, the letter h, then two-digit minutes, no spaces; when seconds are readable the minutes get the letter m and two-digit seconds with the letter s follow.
1h49
